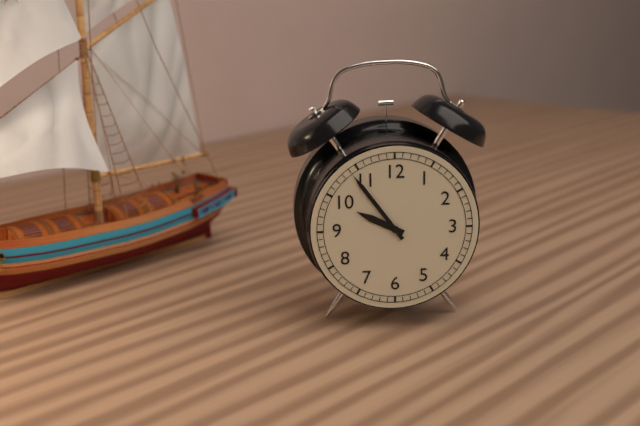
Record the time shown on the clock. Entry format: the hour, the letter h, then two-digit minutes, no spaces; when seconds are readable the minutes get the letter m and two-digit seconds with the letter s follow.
9h54
